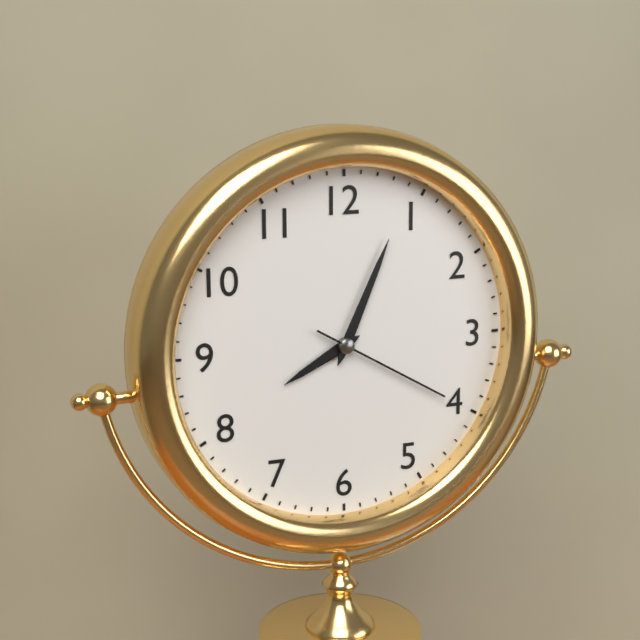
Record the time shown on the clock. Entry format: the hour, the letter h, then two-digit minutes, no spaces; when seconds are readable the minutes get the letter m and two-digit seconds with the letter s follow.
8h04m20s
